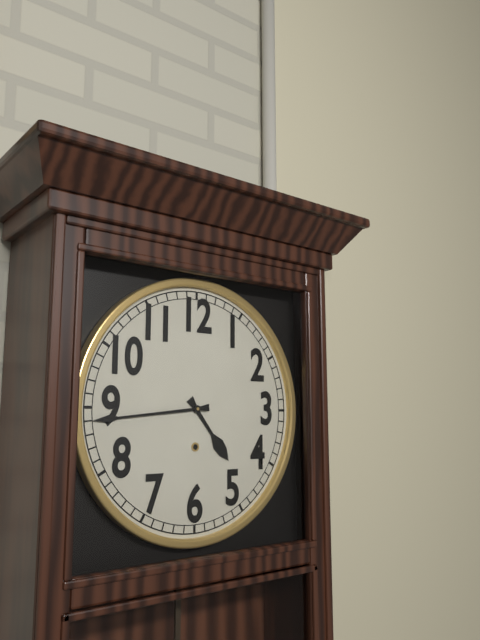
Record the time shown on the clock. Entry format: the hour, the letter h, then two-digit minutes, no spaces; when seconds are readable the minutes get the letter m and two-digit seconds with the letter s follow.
4h44
